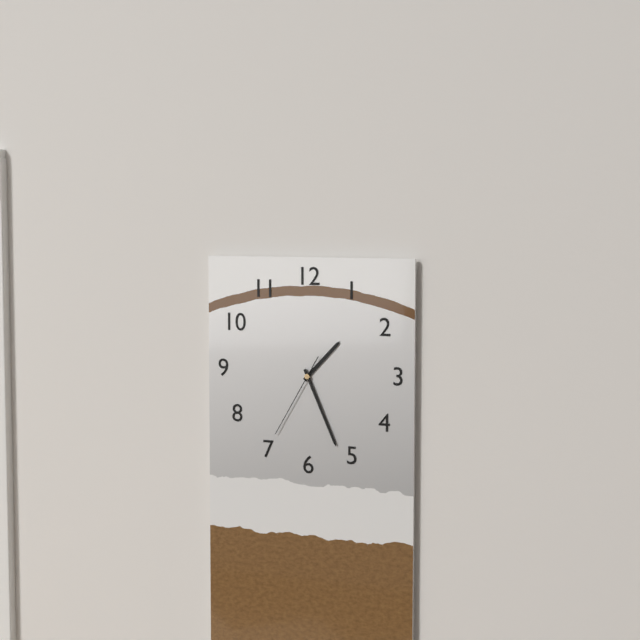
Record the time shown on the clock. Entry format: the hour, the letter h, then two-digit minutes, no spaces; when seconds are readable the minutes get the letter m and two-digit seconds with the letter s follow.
1h26m35s
